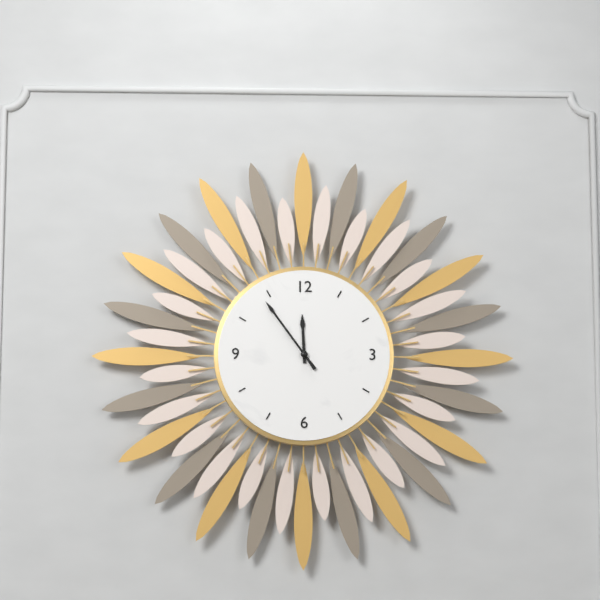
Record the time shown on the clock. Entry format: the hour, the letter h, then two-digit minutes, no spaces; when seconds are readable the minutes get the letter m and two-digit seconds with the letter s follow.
11h54
